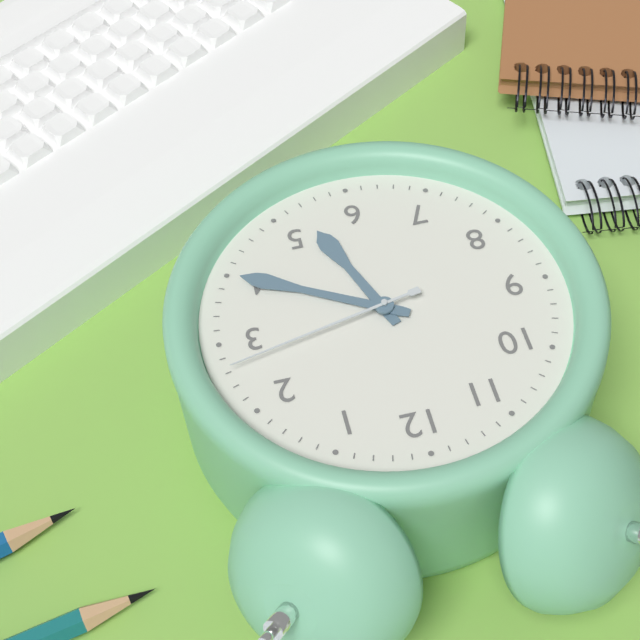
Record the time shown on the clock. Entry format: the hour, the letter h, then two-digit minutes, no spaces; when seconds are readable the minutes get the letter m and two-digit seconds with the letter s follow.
5h20m13s
